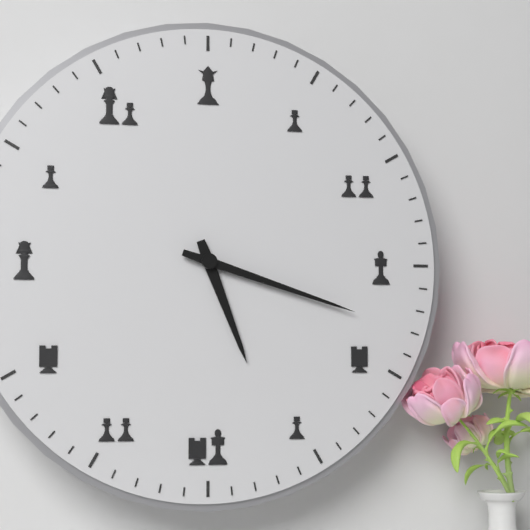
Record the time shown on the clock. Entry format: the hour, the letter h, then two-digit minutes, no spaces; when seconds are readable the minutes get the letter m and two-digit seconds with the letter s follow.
5h18
